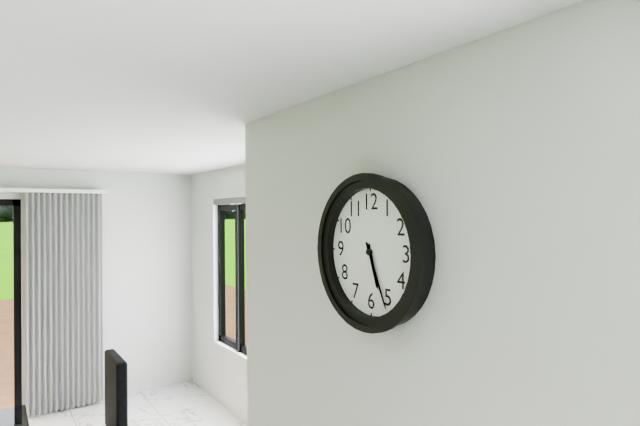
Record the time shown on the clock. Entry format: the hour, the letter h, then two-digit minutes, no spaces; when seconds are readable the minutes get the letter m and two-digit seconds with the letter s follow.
5h26
